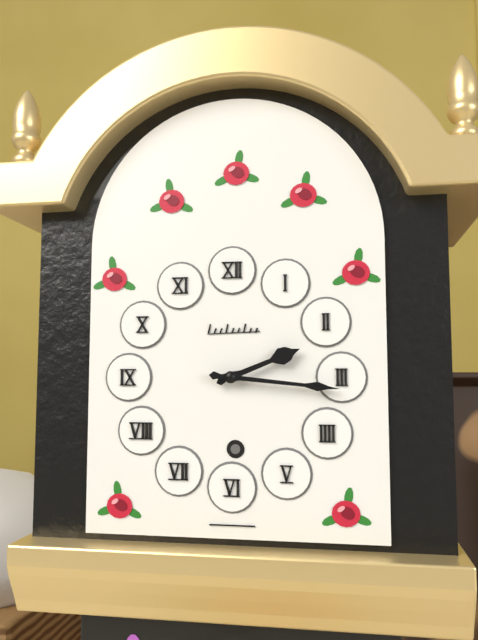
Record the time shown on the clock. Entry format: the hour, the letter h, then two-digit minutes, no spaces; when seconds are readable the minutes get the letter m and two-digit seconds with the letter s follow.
2h16
